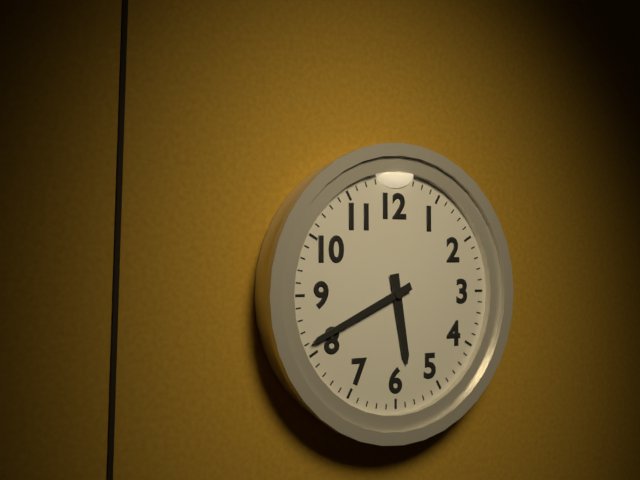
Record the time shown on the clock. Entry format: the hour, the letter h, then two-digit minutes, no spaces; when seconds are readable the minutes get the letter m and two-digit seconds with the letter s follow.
5h41
